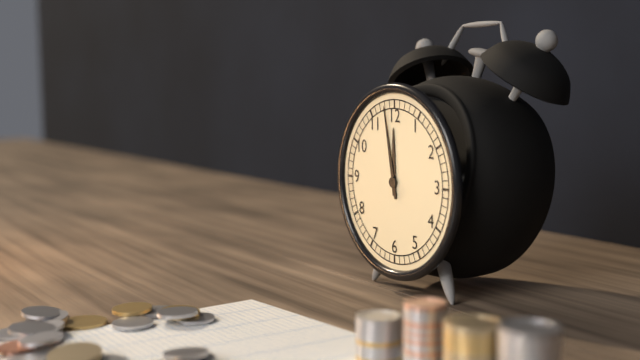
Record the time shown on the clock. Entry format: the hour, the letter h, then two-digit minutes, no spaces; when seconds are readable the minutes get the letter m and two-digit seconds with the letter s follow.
11h58
